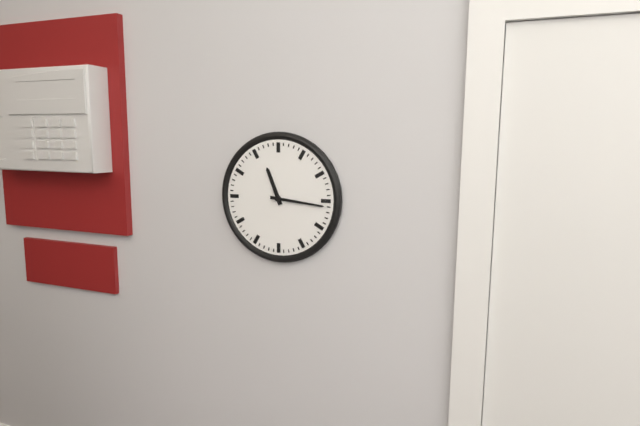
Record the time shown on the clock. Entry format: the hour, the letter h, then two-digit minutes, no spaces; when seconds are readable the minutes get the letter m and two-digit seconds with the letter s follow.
11h16
